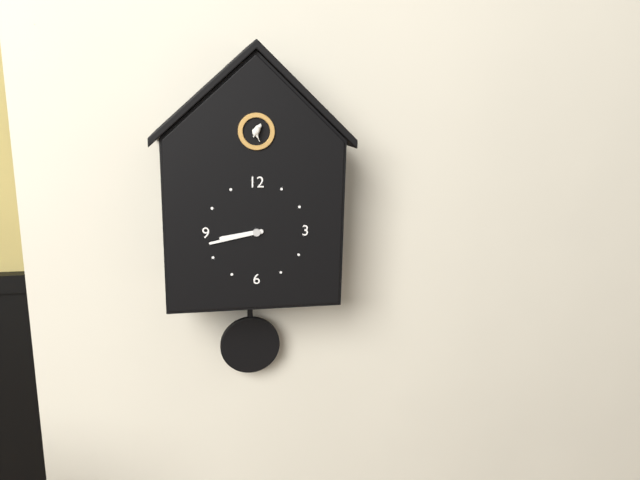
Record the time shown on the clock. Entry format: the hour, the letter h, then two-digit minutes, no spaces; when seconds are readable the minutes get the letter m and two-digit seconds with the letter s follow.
8h43
